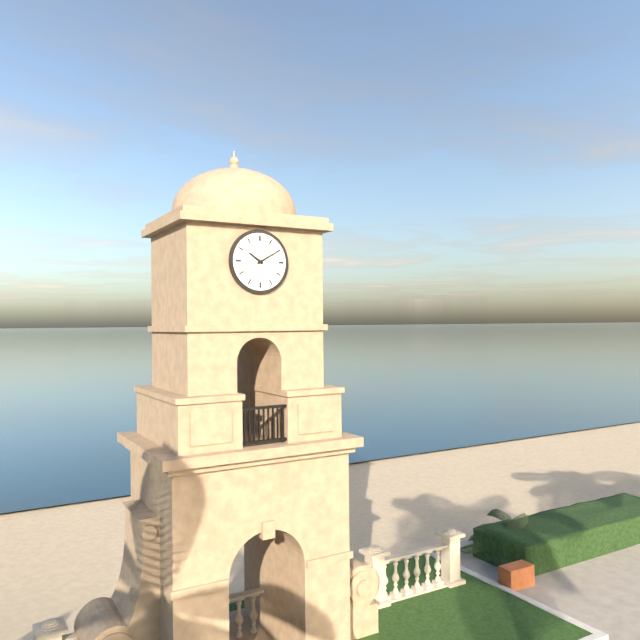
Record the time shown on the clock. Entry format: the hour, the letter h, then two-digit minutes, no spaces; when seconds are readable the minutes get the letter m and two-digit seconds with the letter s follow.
10h10
